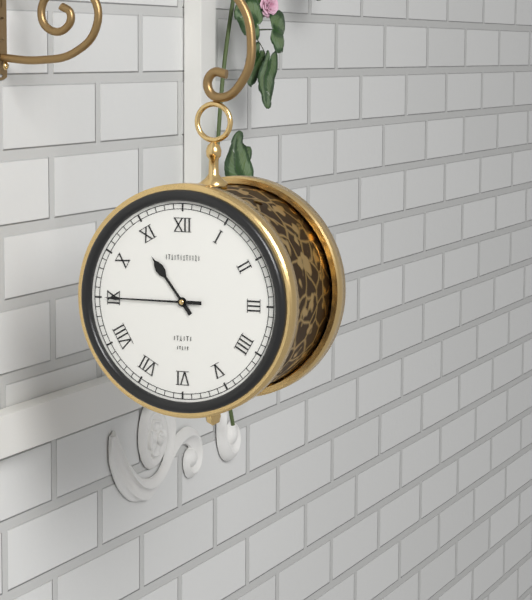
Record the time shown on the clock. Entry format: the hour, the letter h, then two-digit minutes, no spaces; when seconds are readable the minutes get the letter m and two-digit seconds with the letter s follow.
10h45
